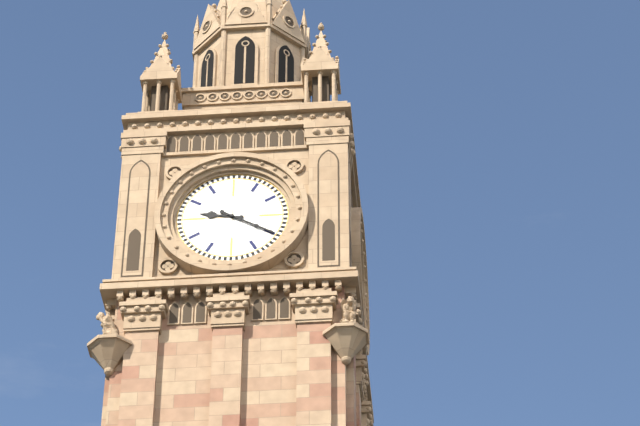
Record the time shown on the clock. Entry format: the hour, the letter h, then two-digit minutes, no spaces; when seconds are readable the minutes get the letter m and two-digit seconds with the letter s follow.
9h20
